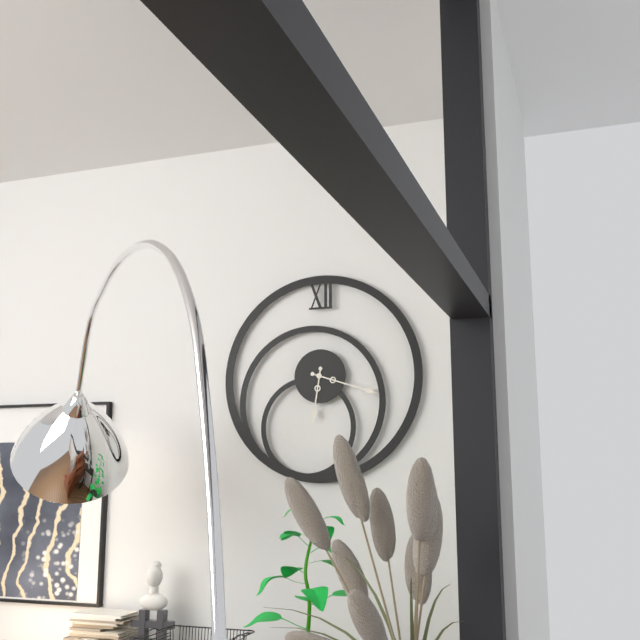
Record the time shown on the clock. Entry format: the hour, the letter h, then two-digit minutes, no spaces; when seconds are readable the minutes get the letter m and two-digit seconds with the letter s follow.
6h18
